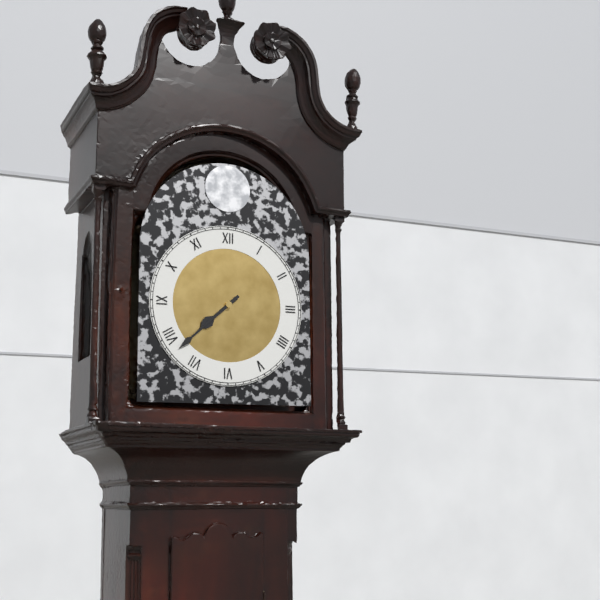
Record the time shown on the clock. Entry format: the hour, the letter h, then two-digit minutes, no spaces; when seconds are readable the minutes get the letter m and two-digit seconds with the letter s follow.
7h38
